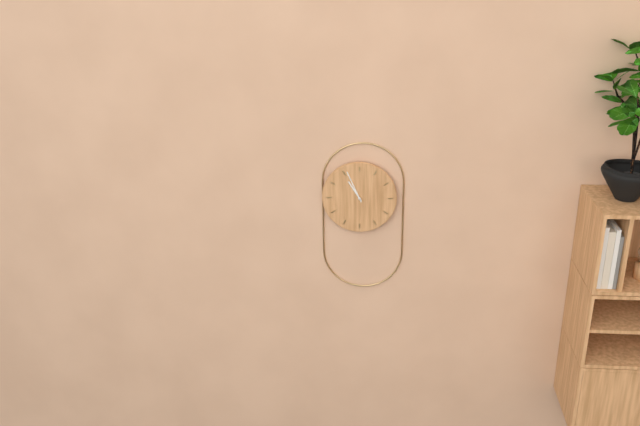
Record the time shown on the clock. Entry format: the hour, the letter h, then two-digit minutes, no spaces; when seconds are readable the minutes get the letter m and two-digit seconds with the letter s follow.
10h56
